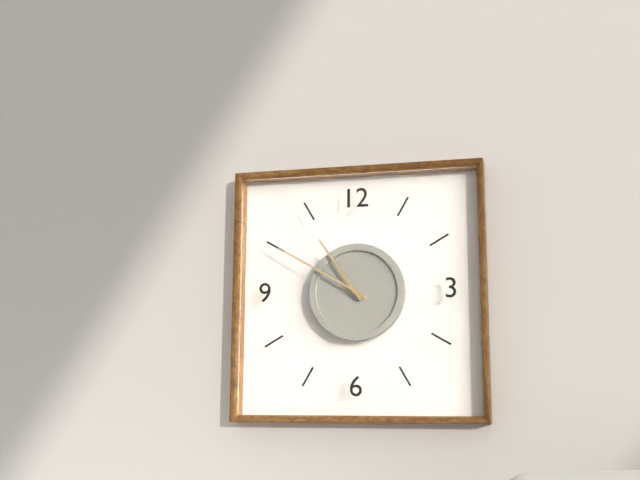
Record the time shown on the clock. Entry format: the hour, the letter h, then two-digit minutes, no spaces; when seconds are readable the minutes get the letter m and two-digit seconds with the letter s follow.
10h50
